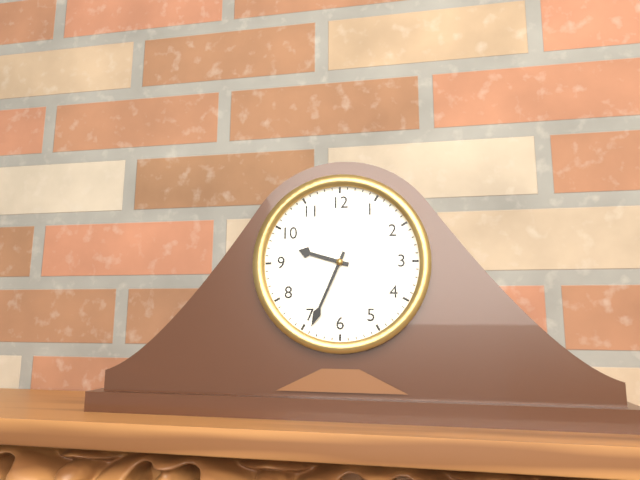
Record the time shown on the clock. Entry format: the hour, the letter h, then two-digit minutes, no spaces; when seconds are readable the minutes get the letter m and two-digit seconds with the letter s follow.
9h34
